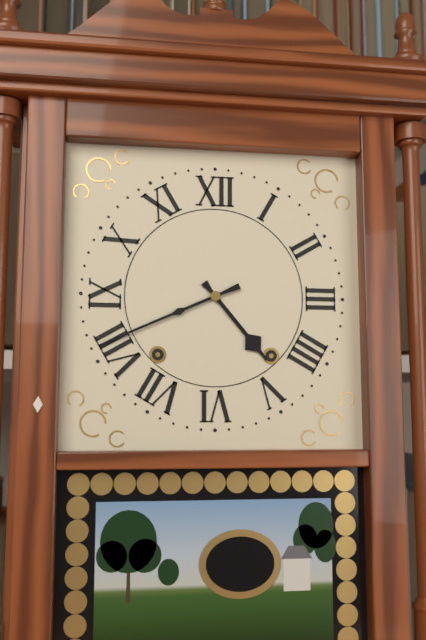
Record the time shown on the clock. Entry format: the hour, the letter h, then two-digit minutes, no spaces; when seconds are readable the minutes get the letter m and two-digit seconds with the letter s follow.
4h41
